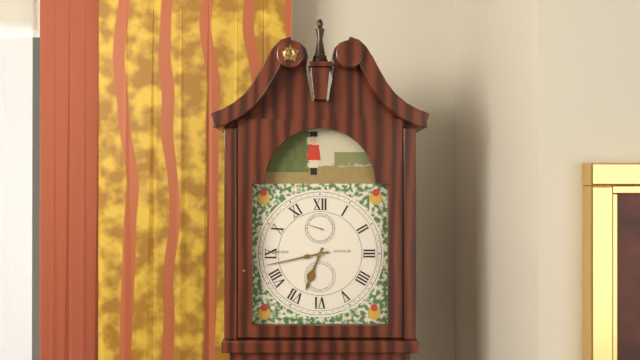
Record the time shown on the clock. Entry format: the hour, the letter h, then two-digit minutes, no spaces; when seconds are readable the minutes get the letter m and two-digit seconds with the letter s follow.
6h43
